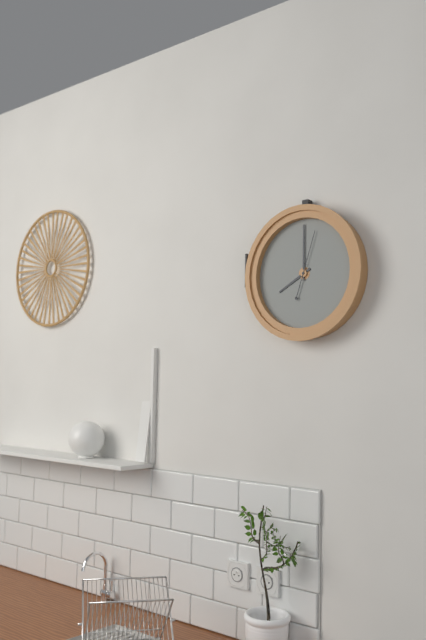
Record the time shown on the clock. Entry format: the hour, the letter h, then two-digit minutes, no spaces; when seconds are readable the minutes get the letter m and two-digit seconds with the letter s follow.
8h00m03s
